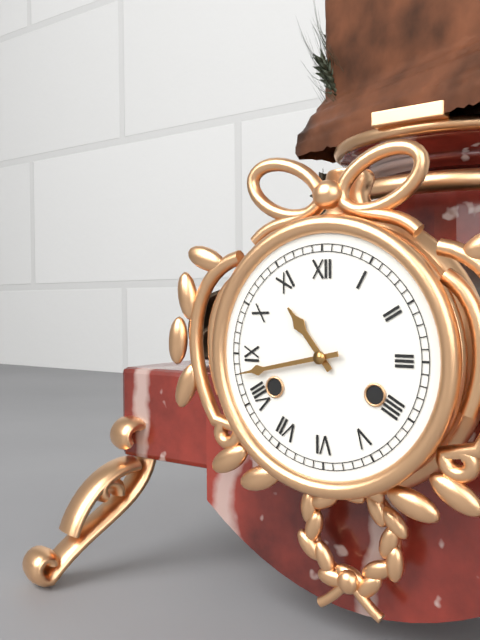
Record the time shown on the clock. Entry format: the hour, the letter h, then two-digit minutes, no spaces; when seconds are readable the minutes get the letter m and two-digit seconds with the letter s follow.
10h43
